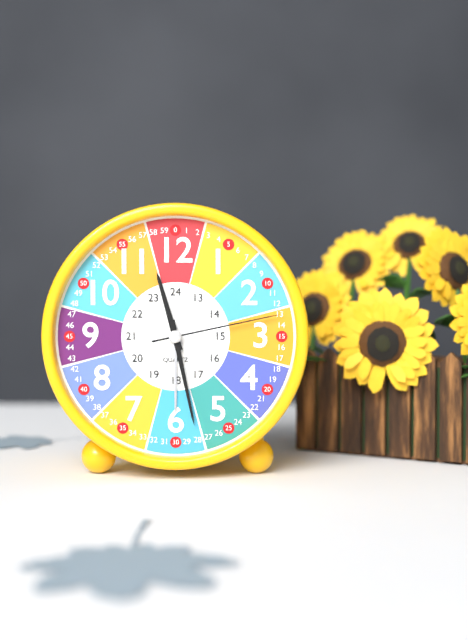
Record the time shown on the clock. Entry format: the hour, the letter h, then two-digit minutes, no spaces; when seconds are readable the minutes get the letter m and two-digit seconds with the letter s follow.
11h28m13s
